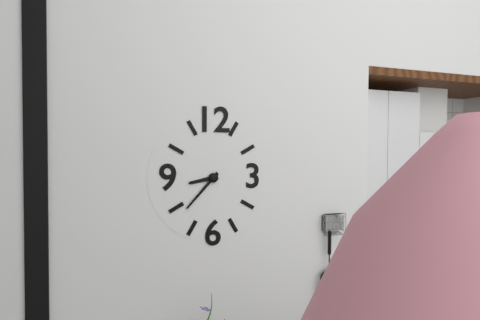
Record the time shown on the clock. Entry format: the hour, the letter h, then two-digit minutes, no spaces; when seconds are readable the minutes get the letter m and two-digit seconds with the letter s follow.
8h37
